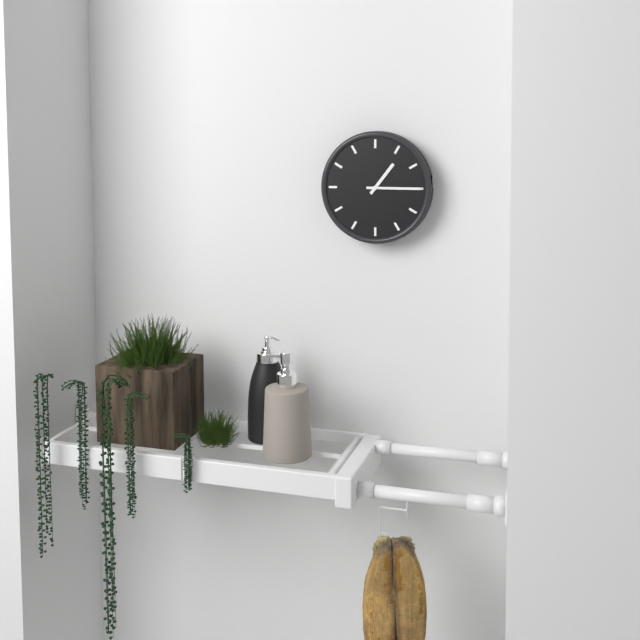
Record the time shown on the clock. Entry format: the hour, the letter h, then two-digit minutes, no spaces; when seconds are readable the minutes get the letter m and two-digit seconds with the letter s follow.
1h15
